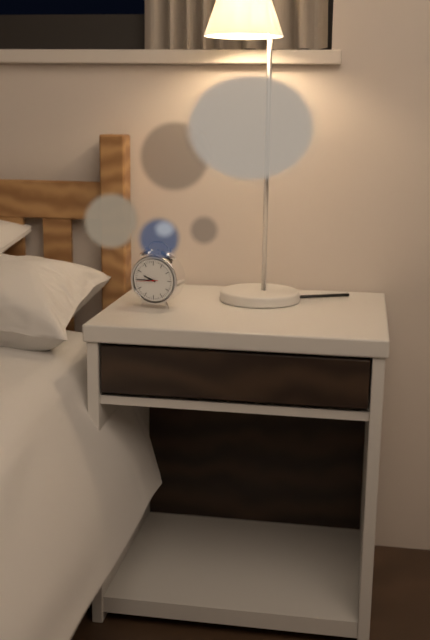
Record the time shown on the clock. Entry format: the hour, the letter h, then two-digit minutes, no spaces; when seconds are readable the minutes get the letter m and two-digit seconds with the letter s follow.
9h45
